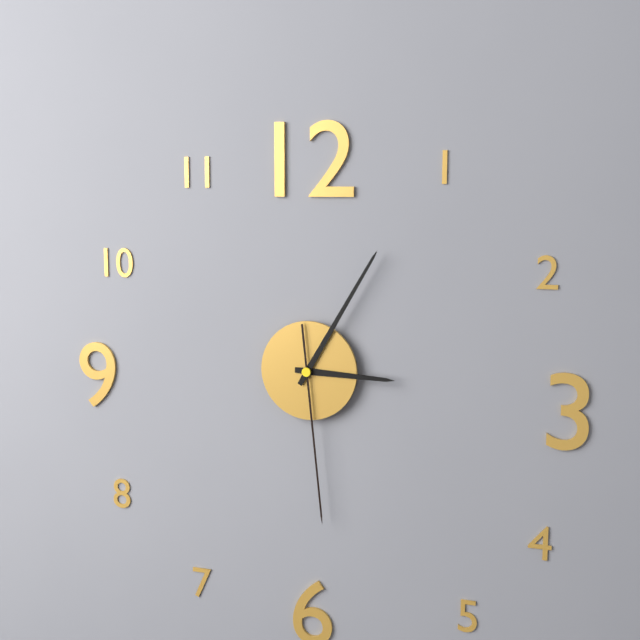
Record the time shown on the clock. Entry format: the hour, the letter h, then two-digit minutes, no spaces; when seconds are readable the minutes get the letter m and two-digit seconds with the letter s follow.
3h05m29s
